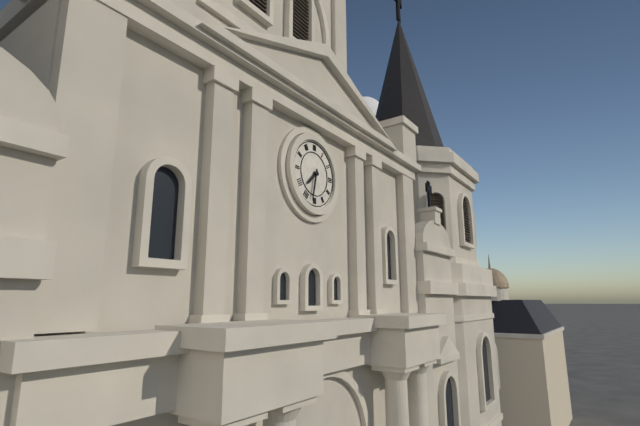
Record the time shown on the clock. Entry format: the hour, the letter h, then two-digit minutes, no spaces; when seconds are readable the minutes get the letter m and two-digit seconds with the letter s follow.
7h32
